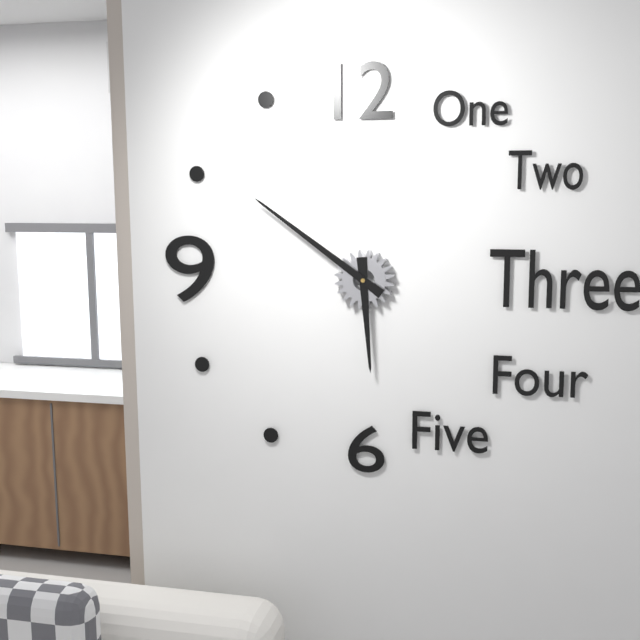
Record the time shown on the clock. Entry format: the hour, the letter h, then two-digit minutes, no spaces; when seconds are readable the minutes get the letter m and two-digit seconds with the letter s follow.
5h51
